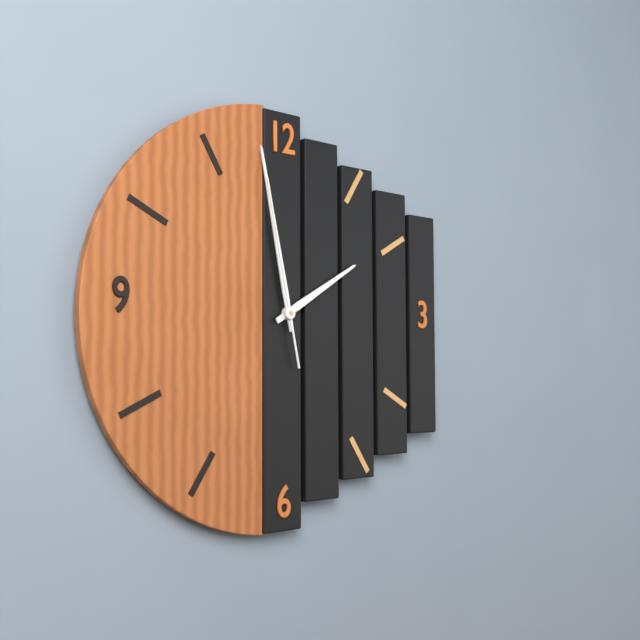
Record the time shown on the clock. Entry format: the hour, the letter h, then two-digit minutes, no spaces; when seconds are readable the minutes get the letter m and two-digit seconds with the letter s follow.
1h58m58s
